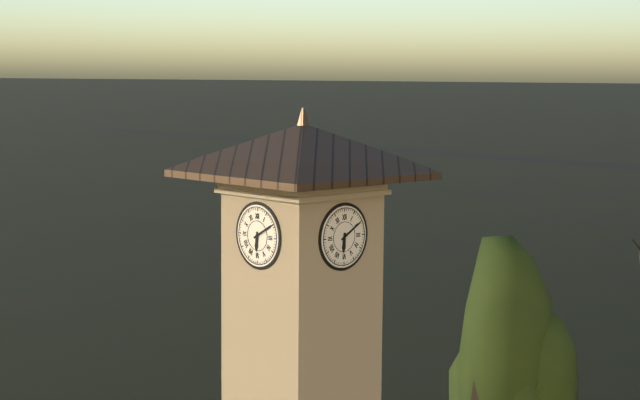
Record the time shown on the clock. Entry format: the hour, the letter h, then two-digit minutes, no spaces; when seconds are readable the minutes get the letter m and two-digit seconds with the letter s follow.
6h10
